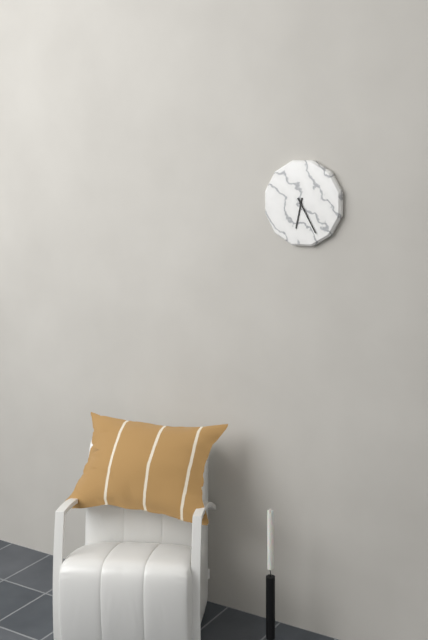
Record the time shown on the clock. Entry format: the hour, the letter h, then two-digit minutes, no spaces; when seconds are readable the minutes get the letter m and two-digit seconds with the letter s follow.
6h25
